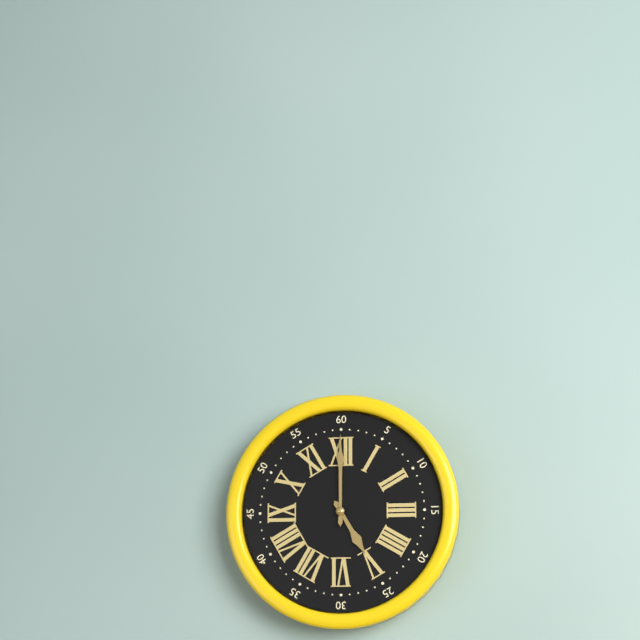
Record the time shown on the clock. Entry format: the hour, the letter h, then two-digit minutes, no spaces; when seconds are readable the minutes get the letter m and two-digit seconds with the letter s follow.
5h00
